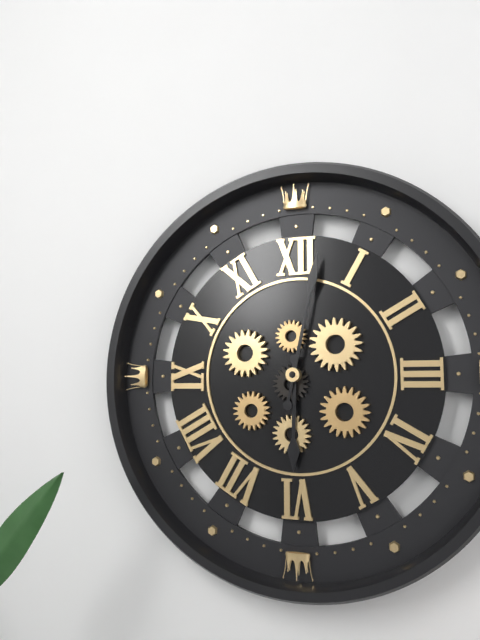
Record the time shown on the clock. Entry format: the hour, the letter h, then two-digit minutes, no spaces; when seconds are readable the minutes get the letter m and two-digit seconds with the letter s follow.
6h02
